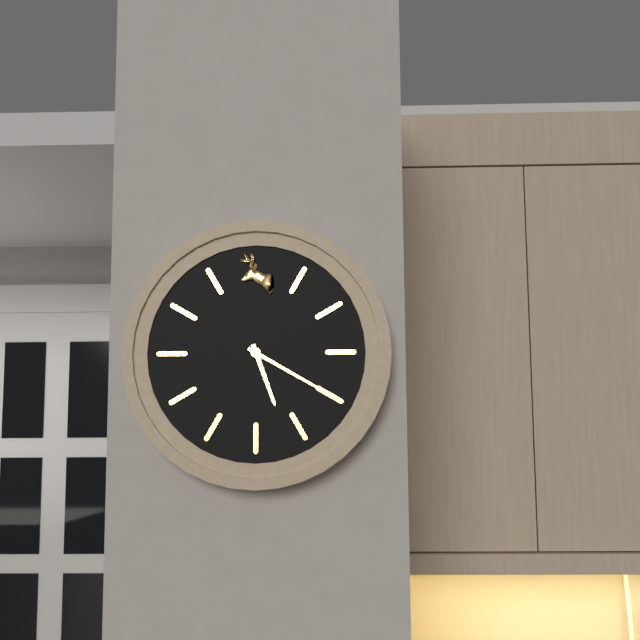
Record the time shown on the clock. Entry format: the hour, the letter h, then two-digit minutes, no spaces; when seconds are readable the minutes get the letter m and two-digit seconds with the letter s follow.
5h20
